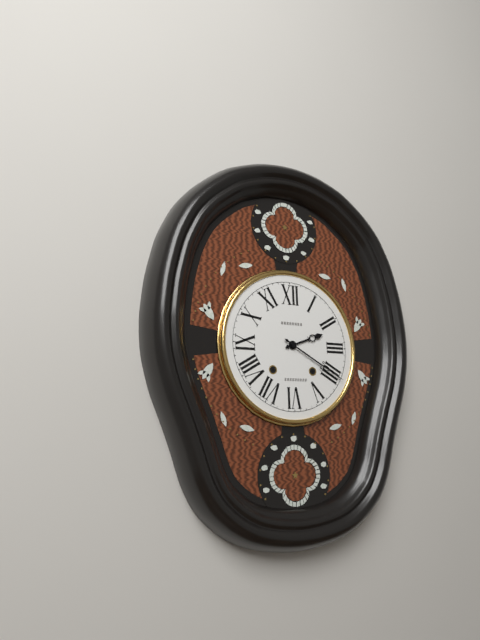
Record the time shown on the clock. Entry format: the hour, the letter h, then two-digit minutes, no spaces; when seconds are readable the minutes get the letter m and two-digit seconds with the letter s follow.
2h20
